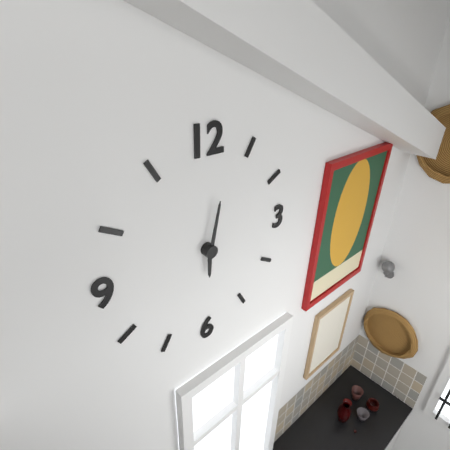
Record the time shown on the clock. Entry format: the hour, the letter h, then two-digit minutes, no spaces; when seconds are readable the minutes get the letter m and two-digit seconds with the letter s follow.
6h02
